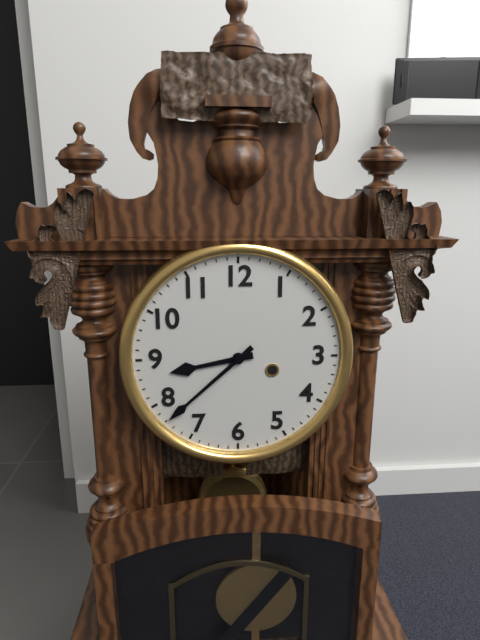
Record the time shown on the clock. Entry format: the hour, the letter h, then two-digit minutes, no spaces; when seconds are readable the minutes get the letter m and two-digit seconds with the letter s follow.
8h38
